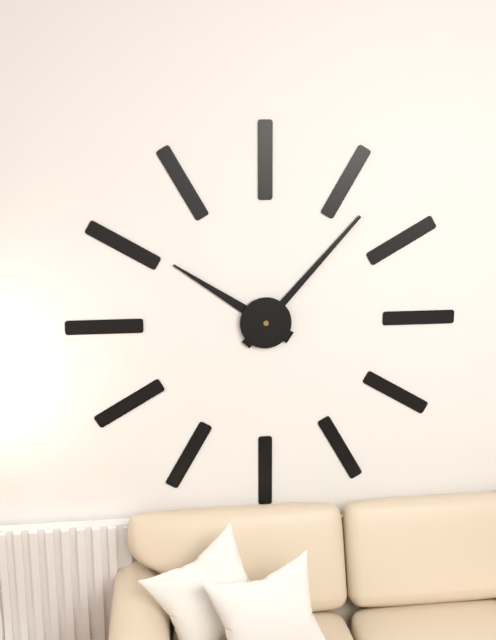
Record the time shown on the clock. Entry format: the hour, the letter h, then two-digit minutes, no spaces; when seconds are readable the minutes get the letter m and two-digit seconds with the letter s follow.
10h07
